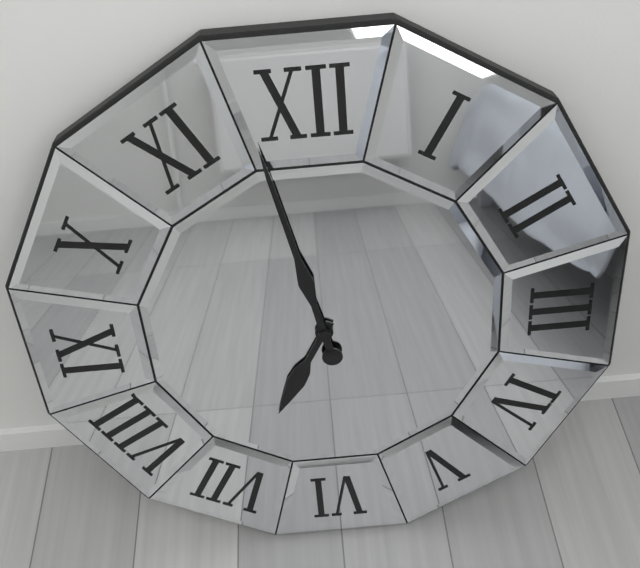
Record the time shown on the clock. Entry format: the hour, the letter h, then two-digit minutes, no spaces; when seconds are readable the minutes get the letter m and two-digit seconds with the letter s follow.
6h58
